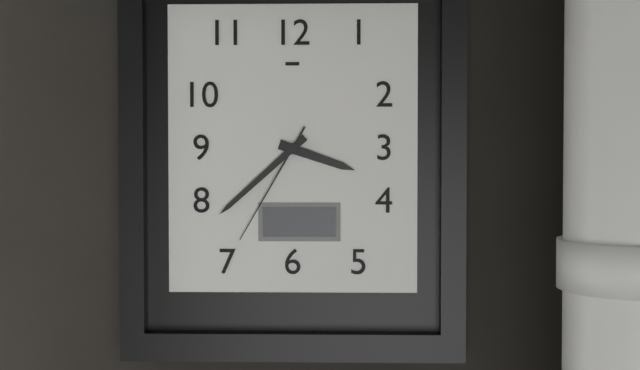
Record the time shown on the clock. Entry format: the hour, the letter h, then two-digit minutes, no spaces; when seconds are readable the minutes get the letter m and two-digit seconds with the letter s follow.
3h38m35s
